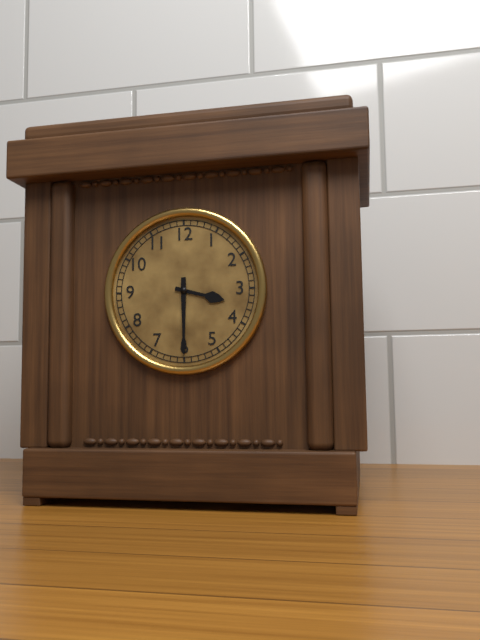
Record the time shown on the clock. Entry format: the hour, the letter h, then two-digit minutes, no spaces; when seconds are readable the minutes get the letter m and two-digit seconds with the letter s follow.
3h30
